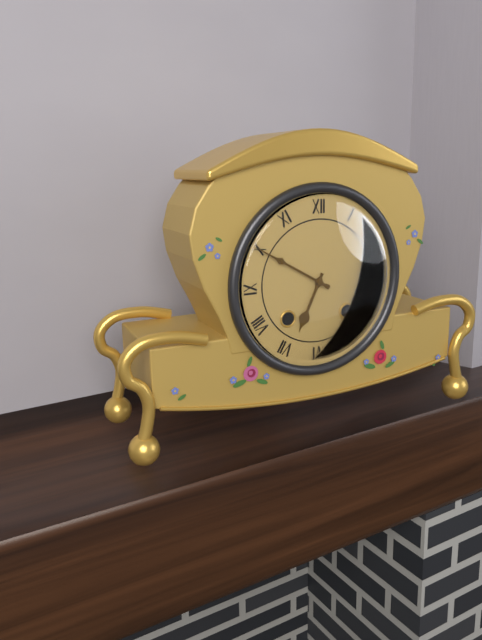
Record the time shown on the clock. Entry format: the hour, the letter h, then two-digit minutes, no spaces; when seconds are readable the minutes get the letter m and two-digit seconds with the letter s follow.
6h50
